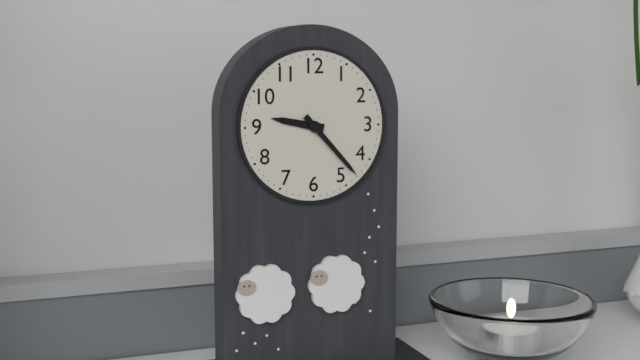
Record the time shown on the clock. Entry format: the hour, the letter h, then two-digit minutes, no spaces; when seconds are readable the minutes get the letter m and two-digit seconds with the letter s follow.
9h23
